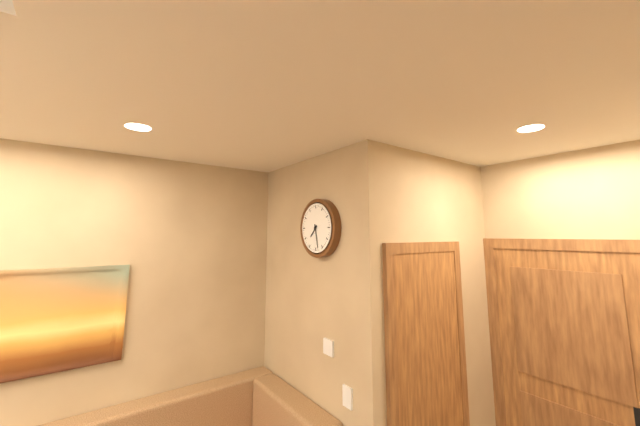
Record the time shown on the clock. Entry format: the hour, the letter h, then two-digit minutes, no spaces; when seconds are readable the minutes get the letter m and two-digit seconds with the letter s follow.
7h28
